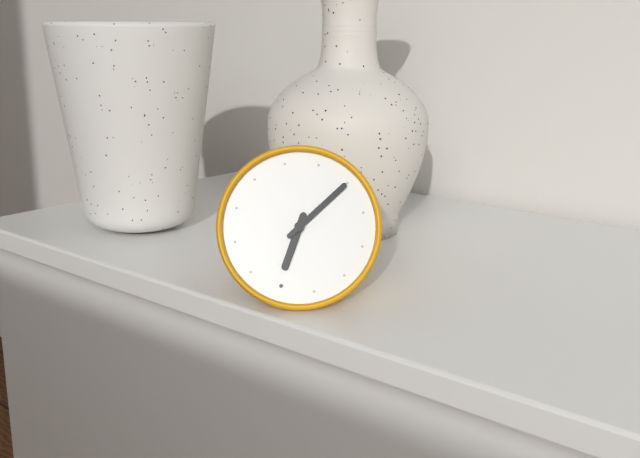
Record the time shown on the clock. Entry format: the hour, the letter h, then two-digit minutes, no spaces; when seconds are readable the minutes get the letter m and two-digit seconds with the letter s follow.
6h05
